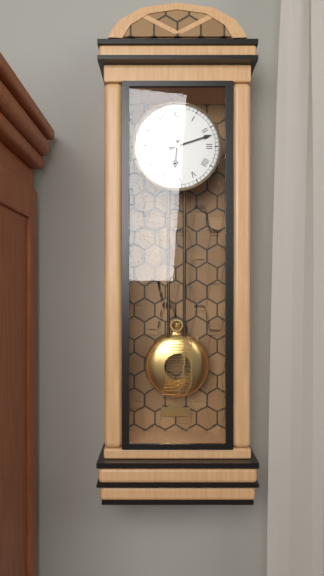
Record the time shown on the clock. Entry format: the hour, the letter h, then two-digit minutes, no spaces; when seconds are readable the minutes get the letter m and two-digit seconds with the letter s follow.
6h12
